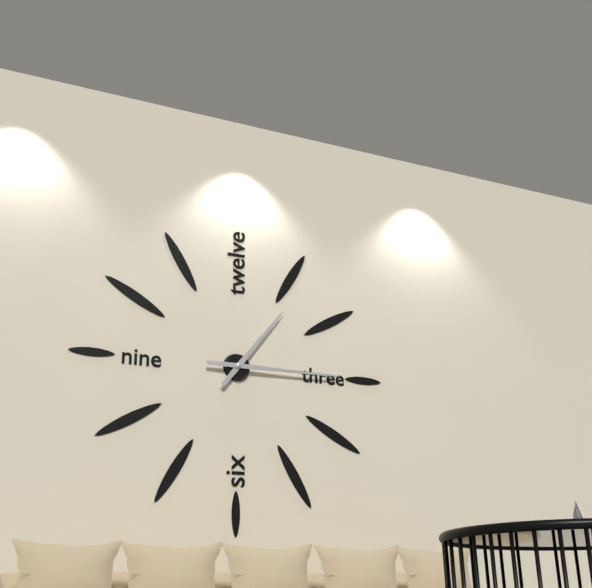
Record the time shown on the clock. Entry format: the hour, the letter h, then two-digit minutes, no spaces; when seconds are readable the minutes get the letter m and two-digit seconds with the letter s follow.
1h15
